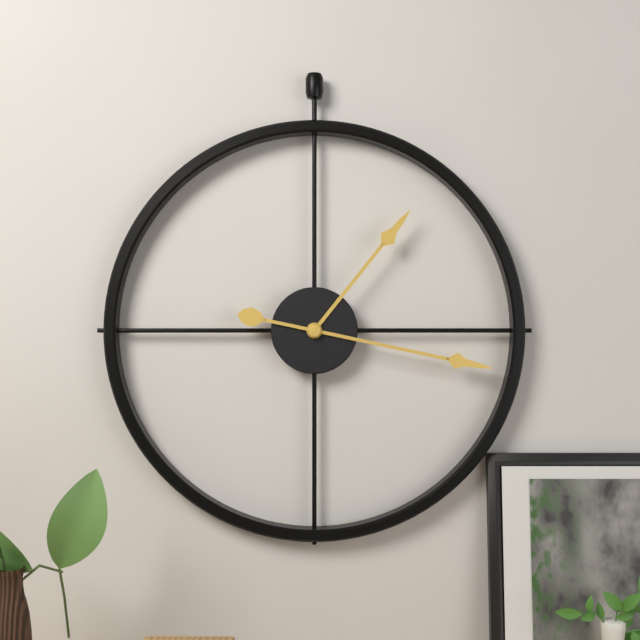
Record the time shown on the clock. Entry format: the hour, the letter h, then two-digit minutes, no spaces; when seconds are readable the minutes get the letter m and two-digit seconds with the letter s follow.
1h17
